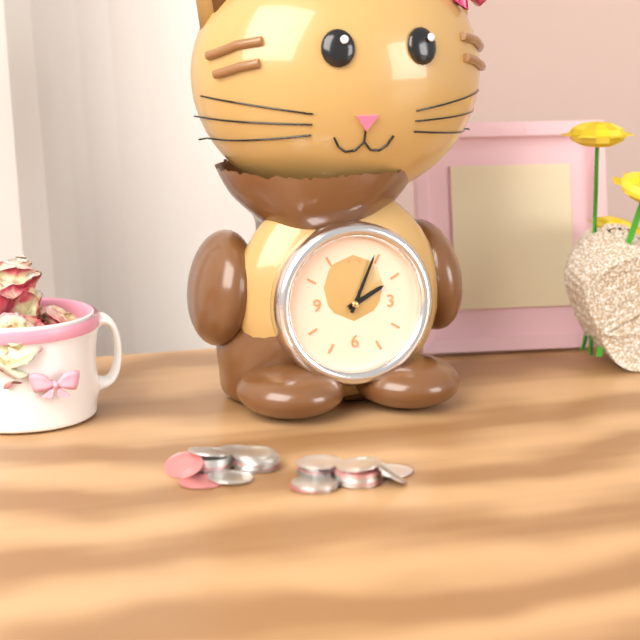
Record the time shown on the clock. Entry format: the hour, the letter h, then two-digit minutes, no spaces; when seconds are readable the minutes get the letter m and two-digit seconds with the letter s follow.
2h04
